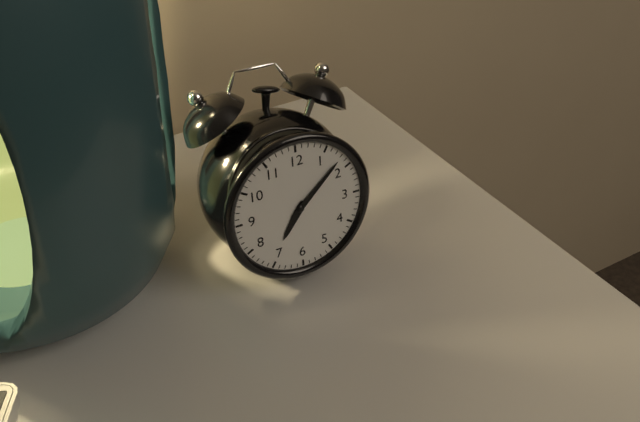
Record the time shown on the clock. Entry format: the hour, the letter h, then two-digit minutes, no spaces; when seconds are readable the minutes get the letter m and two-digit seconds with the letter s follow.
7h08
